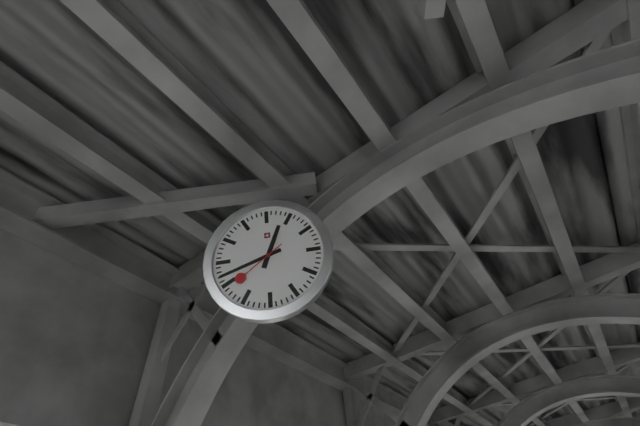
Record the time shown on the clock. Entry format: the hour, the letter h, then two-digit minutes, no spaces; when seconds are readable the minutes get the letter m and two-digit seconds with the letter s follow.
12h42m39s
